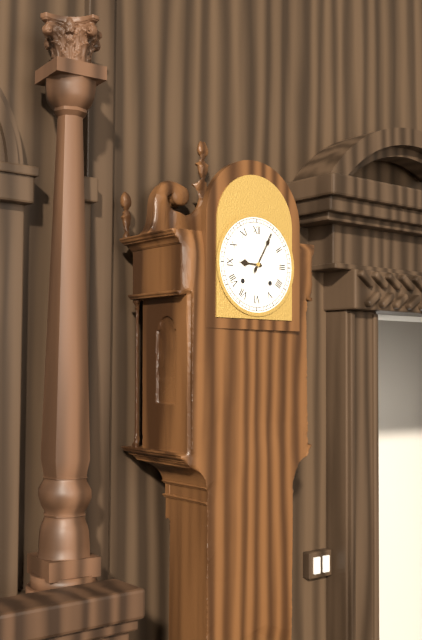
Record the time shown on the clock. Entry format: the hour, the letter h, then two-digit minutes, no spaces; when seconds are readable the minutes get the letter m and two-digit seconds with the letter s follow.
9h05
